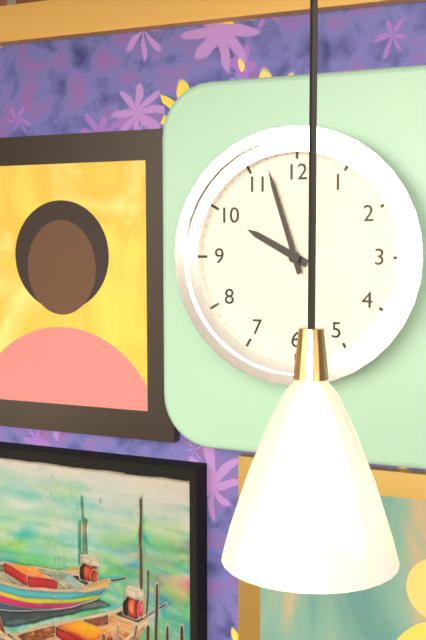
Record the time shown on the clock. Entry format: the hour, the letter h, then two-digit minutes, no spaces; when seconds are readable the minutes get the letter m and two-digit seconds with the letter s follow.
9h57
